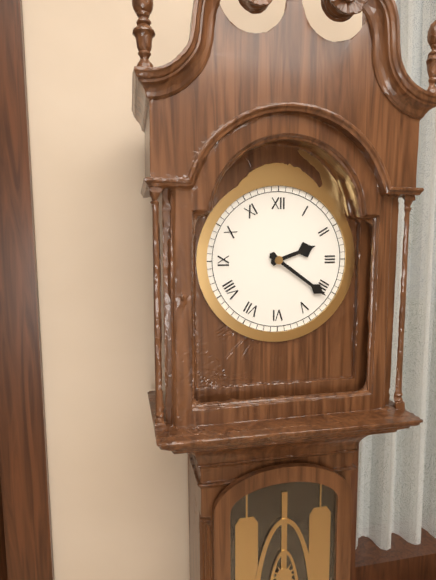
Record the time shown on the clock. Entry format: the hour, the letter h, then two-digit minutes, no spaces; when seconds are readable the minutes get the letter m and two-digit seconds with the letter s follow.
2h21
